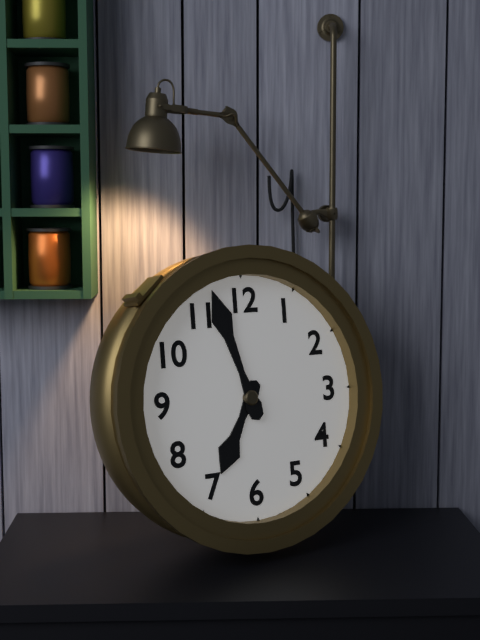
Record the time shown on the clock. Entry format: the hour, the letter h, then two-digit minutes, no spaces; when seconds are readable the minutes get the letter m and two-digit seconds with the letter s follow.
6h57
